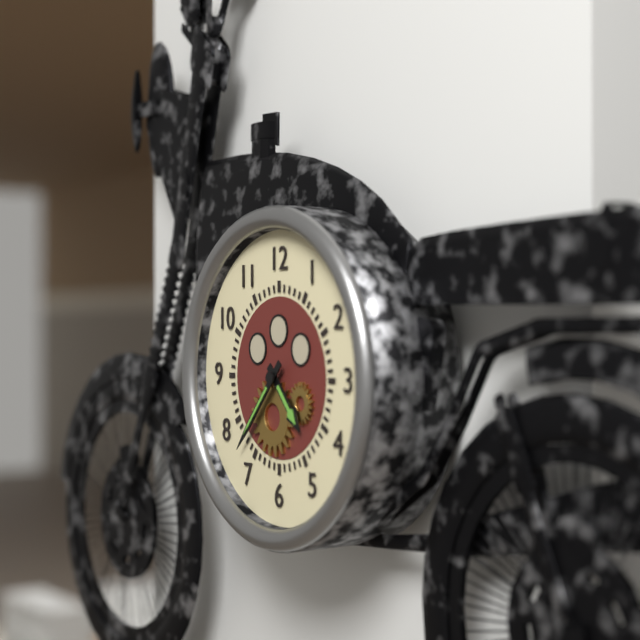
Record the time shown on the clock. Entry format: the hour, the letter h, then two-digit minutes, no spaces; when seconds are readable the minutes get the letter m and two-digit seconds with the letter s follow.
4h37
